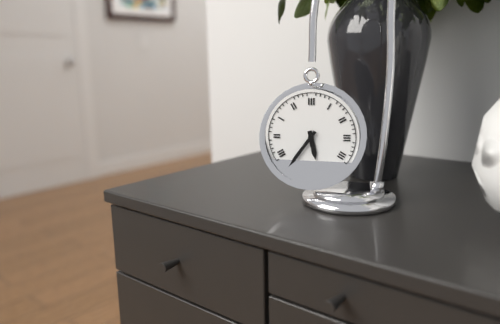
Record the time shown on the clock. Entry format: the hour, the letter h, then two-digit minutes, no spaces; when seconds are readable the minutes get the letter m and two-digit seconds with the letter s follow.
5h36
